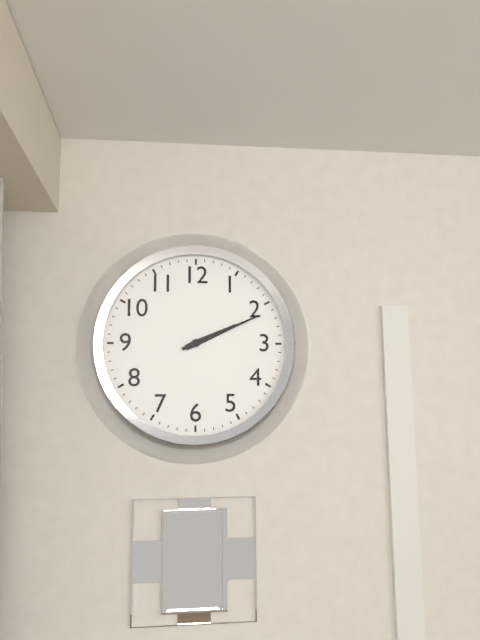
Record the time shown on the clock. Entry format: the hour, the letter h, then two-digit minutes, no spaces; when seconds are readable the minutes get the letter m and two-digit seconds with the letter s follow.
2h11
